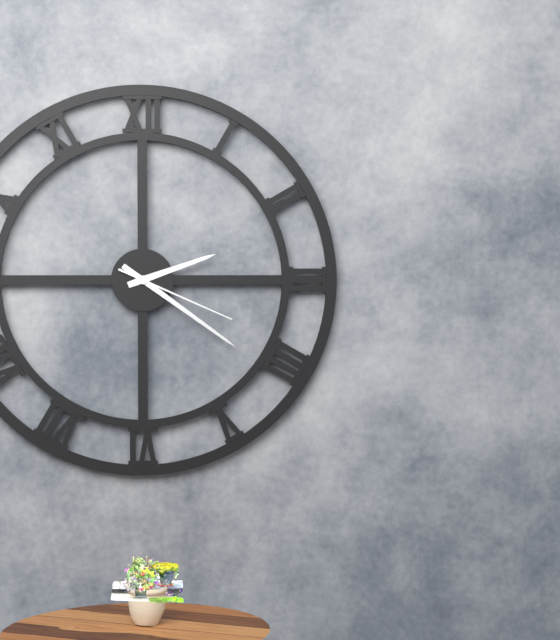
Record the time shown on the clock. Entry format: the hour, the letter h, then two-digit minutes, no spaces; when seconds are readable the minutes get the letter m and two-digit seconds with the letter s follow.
2h21m19s
